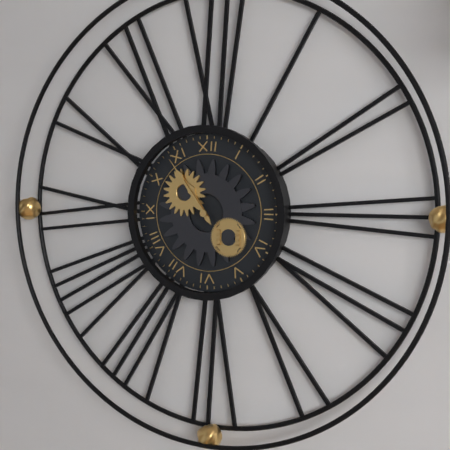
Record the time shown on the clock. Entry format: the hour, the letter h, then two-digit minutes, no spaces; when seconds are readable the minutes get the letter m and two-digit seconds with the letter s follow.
10h54
